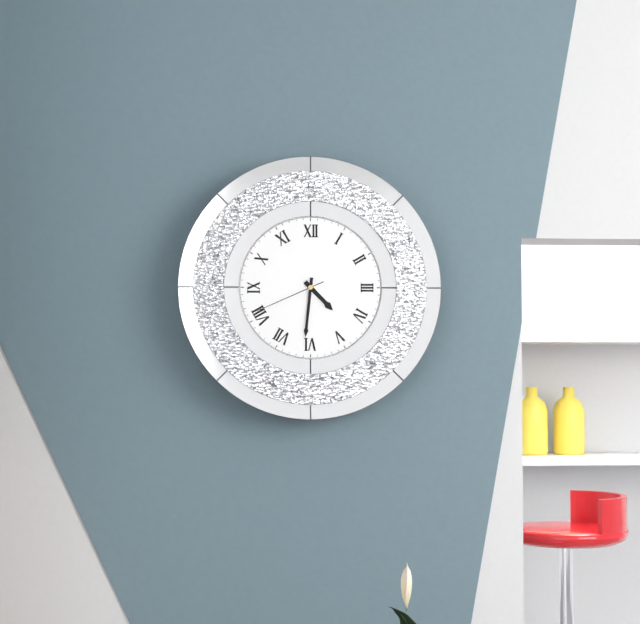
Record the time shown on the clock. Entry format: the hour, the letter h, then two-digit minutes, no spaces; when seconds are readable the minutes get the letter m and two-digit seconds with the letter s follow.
4h31m41s
